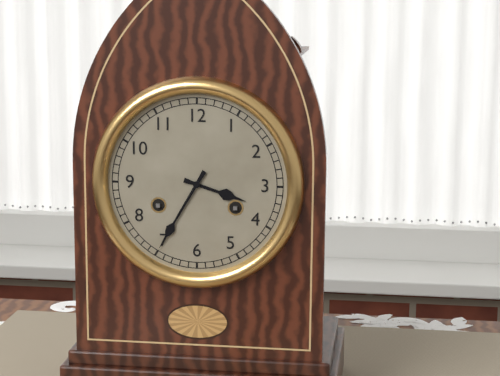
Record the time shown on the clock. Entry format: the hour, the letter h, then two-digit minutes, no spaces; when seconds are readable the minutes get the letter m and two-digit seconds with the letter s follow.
3h35
